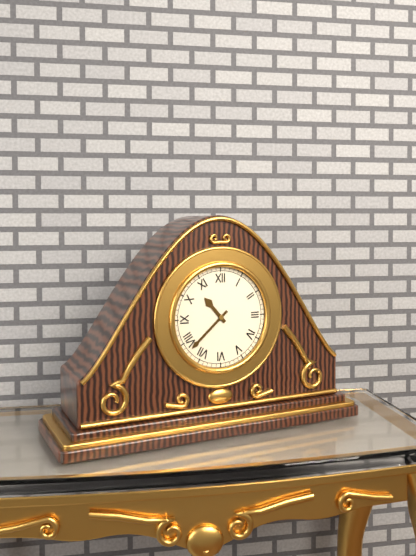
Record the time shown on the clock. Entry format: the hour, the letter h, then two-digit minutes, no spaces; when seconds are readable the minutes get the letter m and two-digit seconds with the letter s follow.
10h38
